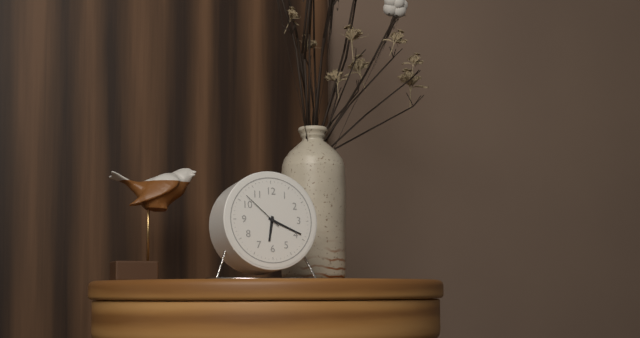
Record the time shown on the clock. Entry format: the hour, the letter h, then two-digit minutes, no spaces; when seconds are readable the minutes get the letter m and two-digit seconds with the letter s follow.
6h19
